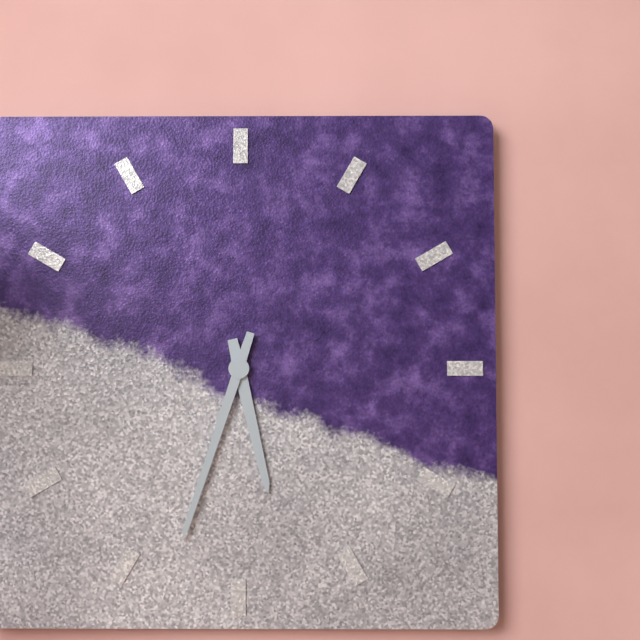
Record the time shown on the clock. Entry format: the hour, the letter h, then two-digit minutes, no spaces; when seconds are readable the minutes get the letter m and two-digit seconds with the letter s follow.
5h33
